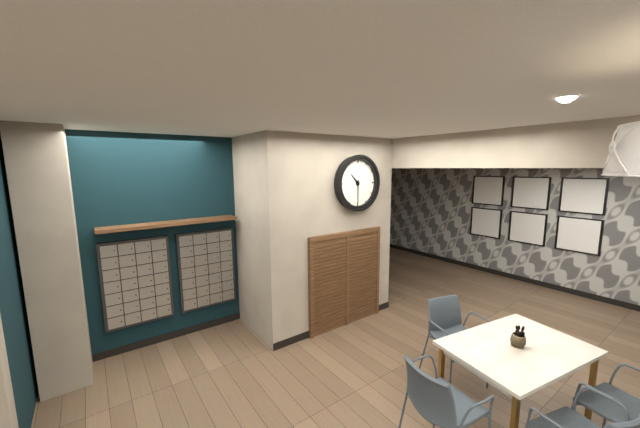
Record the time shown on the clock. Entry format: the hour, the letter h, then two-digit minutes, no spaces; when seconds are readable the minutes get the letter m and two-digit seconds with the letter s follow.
10h30
